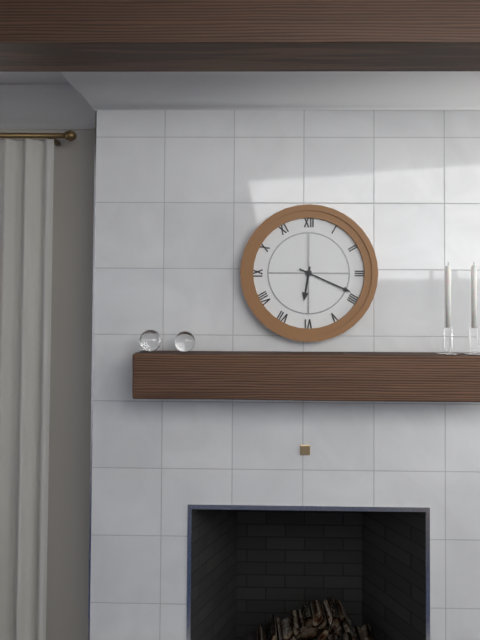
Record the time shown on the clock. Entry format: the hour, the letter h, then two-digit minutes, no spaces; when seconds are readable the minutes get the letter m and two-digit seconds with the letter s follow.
6h19
